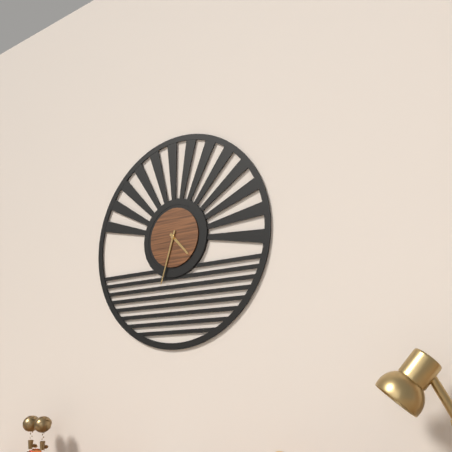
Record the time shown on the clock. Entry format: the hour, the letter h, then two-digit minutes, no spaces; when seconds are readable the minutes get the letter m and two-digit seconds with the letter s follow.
4h33
